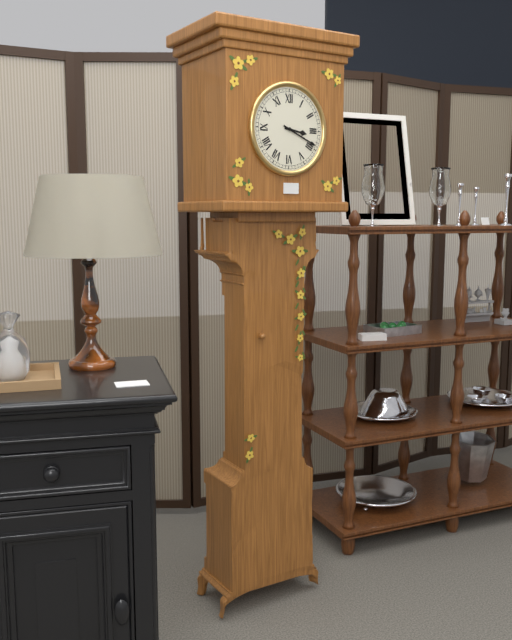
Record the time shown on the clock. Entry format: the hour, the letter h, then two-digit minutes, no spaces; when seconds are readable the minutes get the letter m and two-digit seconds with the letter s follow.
3h19
